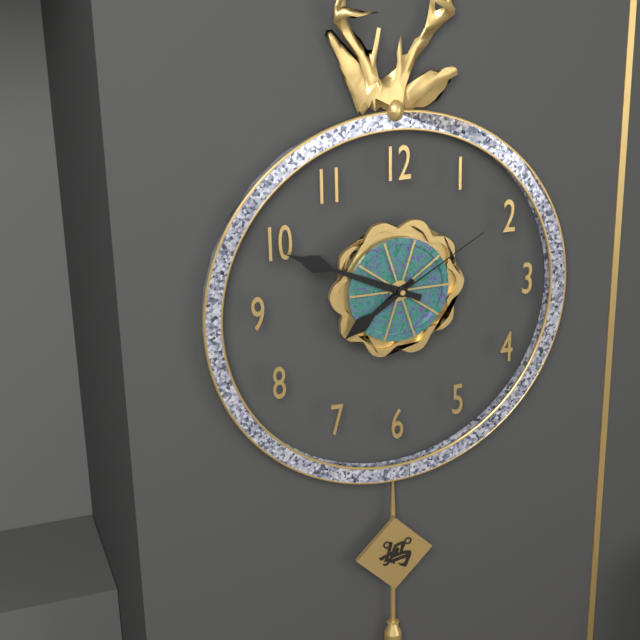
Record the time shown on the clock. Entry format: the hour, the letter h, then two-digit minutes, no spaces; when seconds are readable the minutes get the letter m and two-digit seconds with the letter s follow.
7h49m10s
